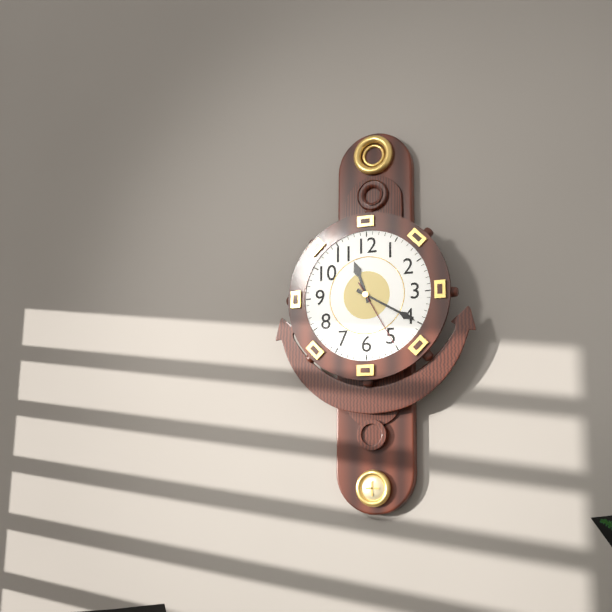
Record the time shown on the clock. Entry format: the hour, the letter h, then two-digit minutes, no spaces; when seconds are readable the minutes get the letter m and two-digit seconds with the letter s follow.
11h20m25s
